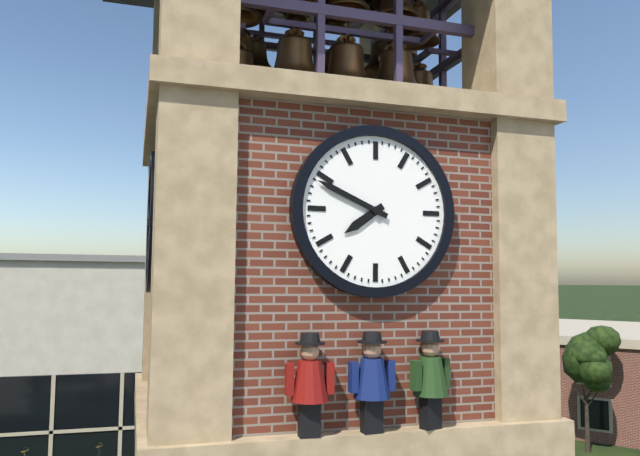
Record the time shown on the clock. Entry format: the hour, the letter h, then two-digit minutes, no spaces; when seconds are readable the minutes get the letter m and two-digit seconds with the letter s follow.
7h49
